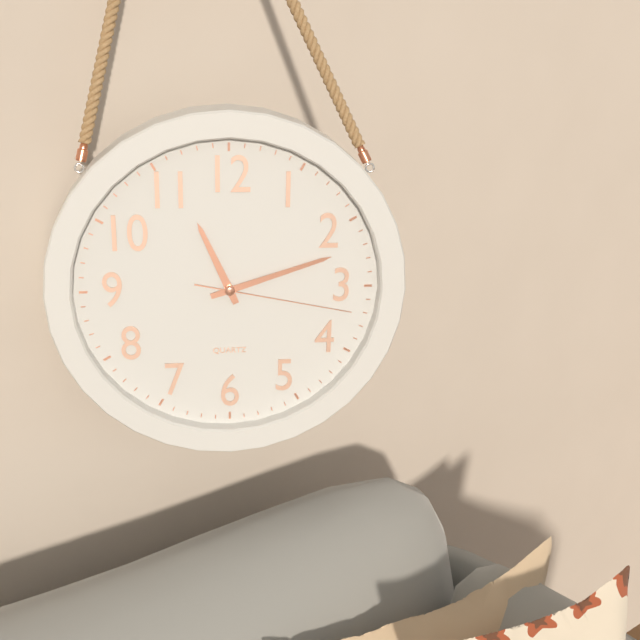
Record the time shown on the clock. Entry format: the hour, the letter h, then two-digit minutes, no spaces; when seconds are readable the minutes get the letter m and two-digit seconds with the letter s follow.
11h12m17s
